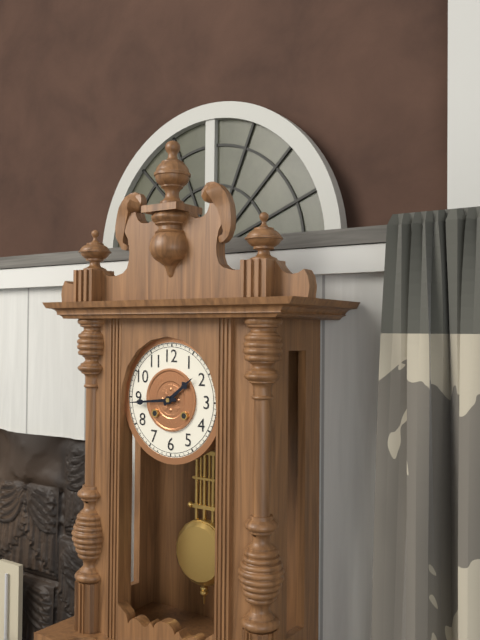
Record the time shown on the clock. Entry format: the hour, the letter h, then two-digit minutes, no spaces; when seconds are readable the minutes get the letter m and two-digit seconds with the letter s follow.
1h44
